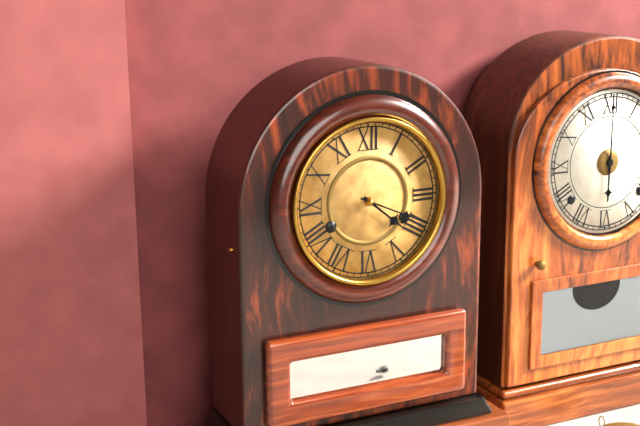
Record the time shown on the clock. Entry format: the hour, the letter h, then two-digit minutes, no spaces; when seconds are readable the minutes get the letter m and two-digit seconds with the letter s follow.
4h19
